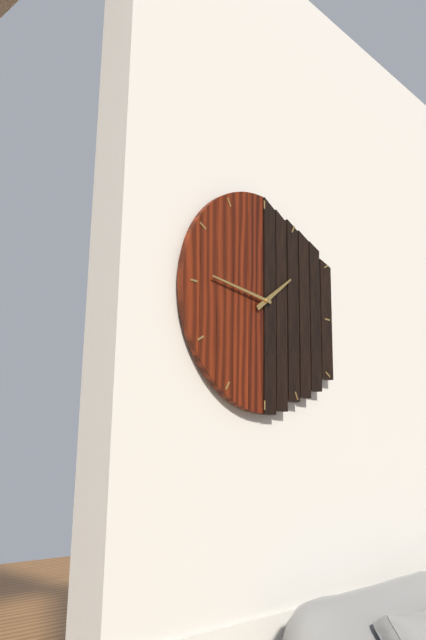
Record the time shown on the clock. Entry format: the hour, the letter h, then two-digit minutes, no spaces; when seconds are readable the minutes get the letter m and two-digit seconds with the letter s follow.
1h46
